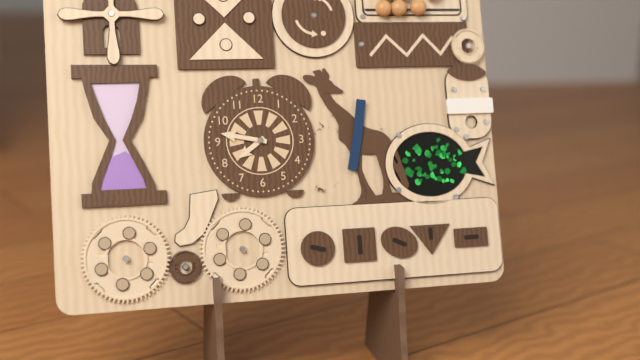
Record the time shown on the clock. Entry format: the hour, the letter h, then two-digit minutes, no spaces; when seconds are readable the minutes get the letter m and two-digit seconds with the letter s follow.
7h47
